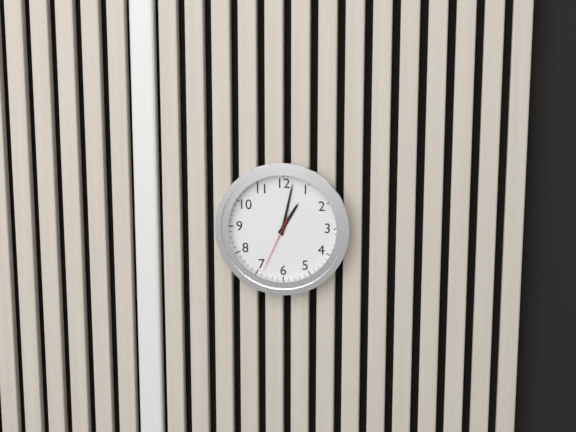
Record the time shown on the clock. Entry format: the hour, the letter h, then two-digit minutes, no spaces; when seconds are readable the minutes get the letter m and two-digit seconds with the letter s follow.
1h02m34s
